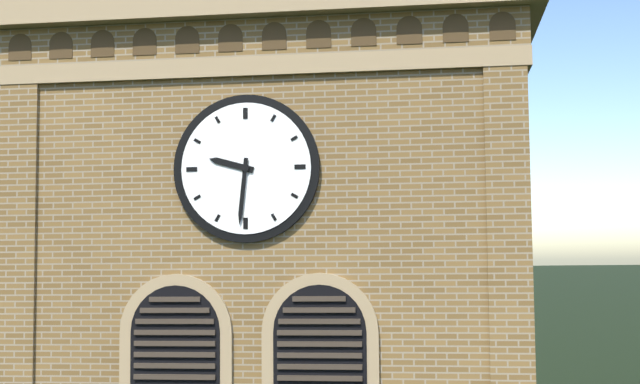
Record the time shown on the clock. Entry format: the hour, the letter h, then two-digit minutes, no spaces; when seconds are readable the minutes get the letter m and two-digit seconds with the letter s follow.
9h31
